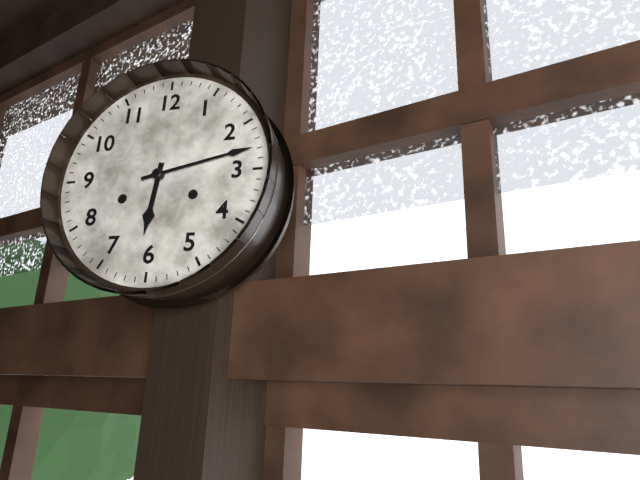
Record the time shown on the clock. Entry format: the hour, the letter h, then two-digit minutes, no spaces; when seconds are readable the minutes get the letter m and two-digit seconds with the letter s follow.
6h13
